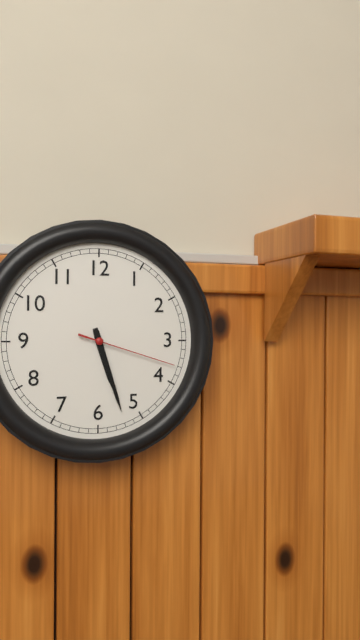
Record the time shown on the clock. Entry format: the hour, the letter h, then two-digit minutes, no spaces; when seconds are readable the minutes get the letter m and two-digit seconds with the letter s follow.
5h27m18s
